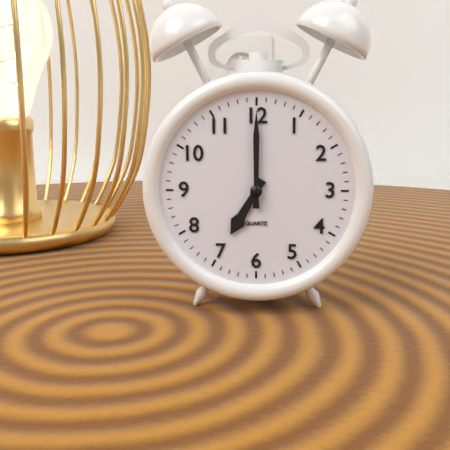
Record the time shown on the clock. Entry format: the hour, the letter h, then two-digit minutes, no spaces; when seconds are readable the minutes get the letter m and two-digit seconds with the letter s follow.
7h00
